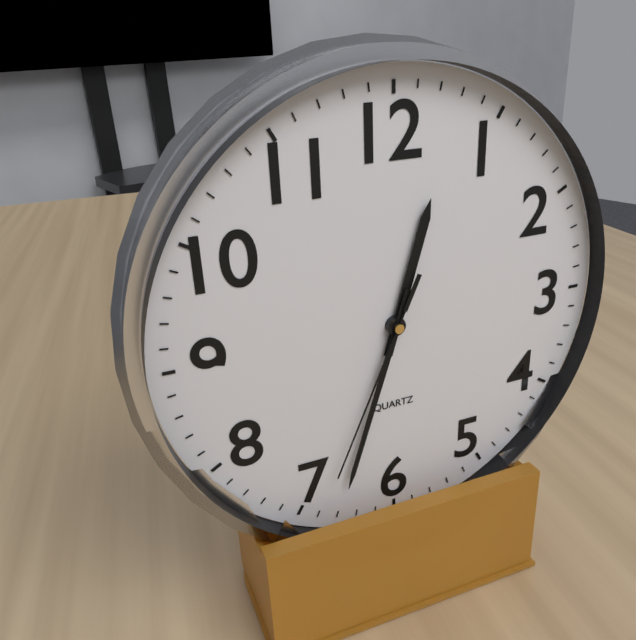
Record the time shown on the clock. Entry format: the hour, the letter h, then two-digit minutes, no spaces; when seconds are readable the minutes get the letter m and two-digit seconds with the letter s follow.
12h33m34s
